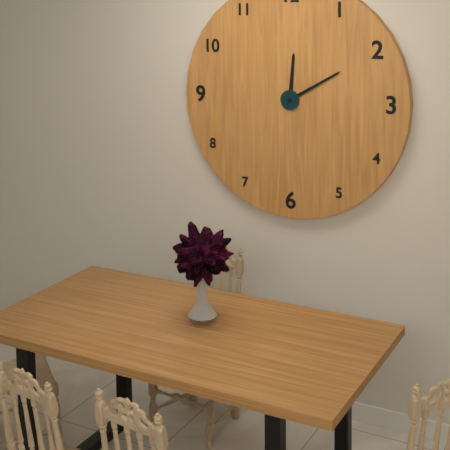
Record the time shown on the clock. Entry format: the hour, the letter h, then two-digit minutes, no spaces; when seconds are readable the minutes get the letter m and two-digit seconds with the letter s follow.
12h10
